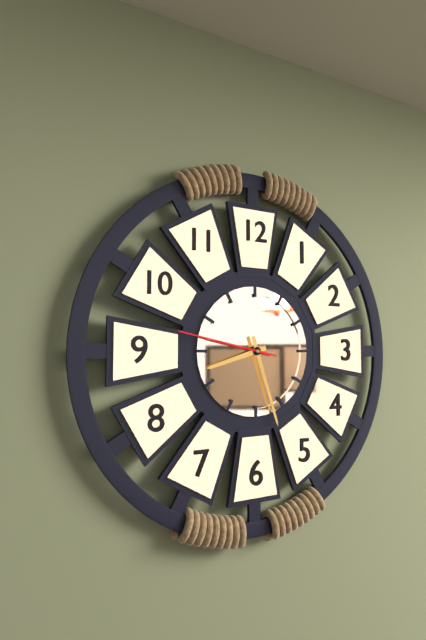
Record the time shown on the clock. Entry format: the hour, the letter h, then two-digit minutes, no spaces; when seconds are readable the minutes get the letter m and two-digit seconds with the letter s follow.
8h27m47s
